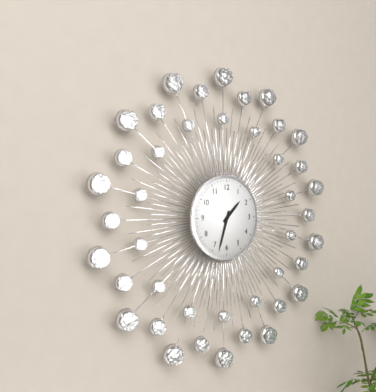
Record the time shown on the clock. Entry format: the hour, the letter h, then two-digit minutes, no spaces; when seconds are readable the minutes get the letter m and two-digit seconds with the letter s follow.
1h33
